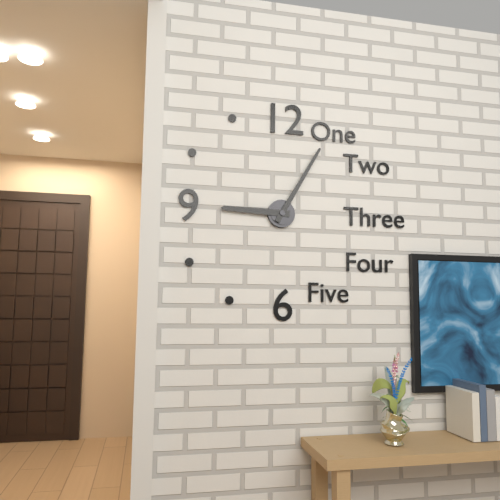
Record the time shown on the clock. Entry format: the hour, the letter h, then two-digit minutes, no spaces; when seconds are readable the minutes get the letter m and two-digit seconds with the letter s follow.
9h05
